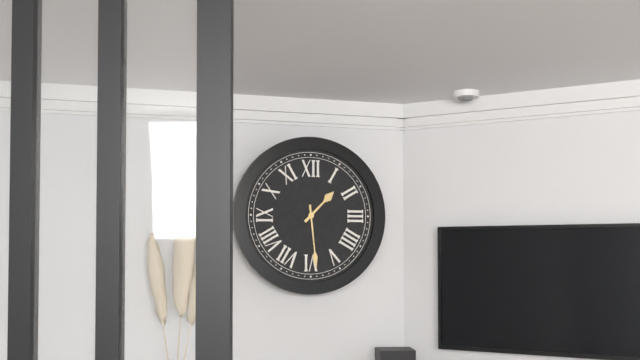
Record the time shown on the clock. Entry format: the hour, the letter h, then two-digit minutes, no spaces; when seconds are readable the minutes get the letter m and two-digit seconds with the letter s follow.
1h29
